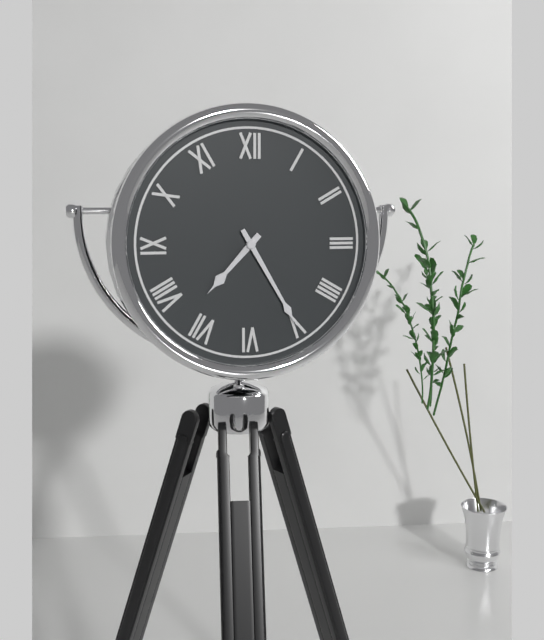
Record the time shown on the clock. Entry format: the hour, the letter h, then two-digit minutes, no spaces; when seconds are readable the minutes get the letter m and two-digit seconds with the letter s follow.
7h25
